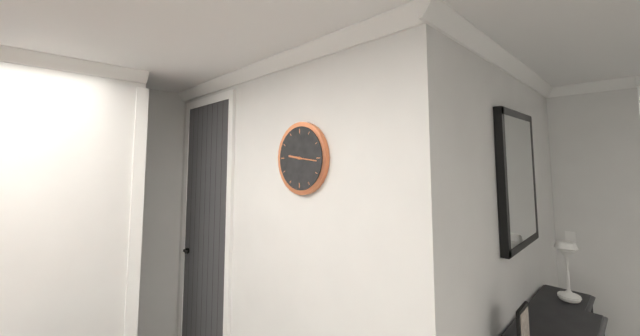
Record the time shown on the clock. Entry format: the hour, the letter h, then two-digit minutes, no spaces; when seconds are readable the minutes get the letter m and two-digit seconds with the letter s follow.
9h16
